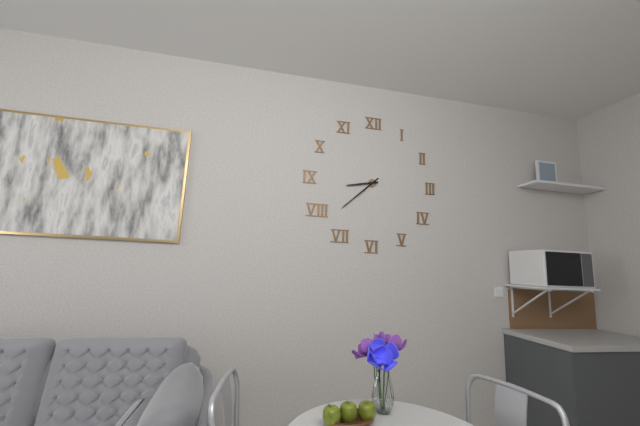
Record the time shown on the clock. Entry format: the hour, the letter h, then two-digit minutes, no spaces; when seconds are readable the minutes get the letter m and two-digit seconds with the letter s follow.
8h38
